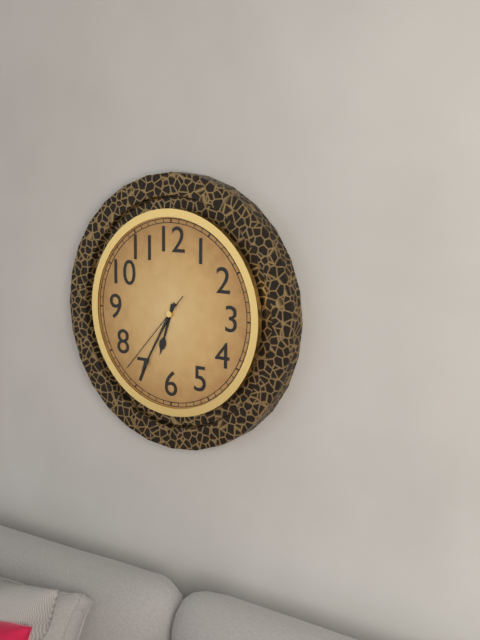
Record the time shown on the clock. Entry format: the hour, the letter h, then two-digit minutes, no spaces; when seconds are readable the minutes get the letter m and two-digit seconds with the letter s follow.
6h35m37s
